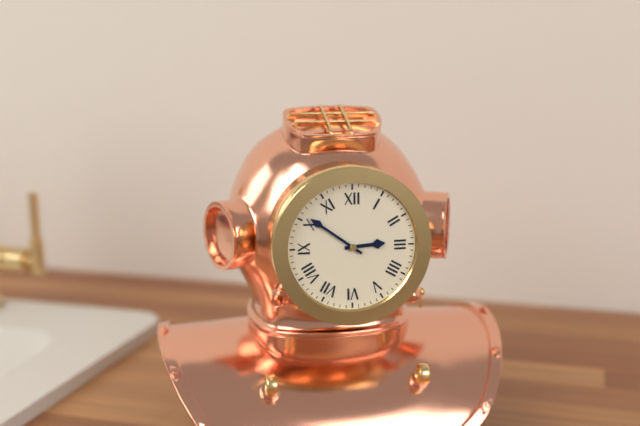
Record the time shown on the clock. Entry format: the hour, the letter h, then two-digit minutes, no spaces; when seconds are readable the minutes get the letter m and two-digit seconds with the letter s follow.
2h51
